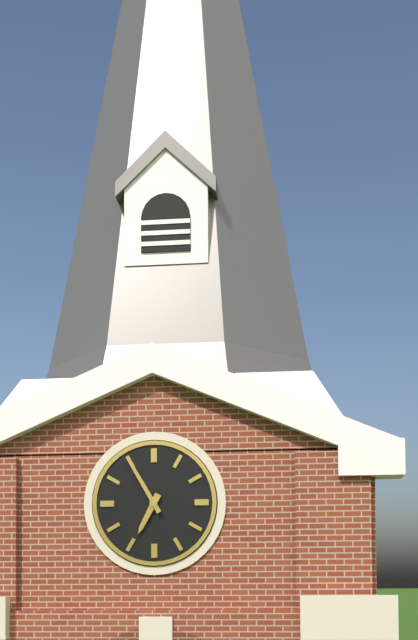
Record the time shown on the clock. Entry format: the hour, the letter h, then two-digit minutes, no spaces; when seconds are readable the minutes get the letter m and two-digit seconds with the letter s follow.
6h55
